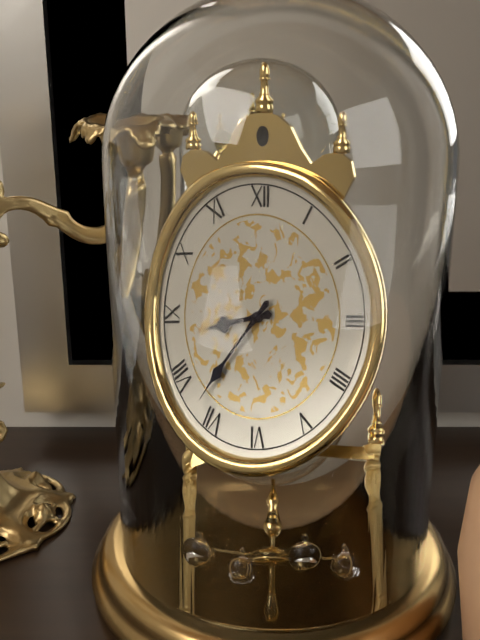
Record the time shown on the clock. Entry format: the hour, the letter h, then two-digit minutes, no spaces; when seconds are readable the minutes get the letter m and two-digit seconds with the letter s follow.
8h37
